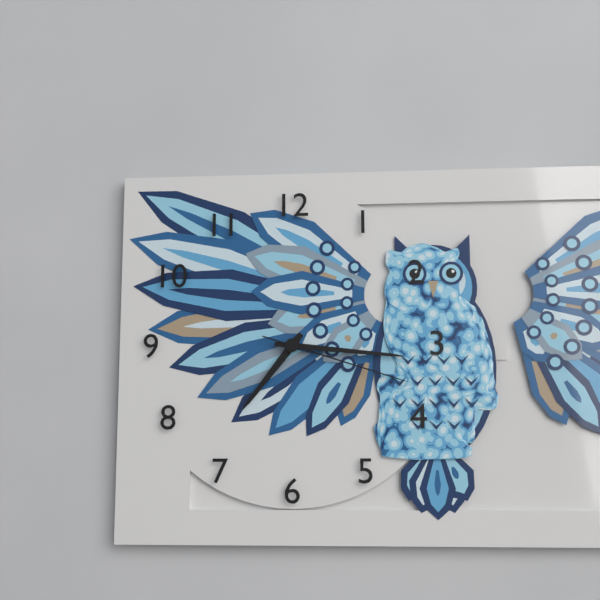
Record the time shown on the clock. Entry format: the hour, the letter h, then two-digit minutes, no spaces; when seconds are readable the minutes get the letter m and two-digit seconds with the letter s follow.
7h16m18s
